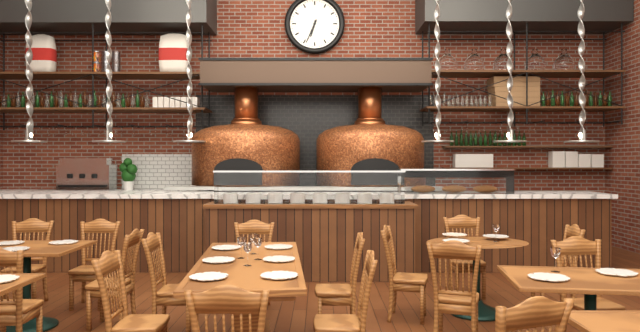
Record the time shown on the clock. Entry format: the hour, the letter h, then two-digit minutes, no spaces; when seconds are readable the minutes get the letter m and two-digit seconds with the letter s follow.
6h34
